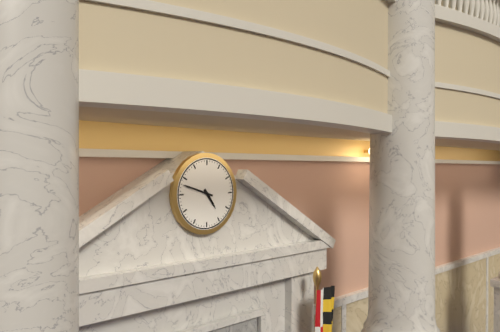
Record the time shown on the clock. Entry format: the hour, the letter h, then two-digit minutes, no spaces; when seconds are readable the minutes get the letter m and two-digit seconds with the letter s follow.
4h48
